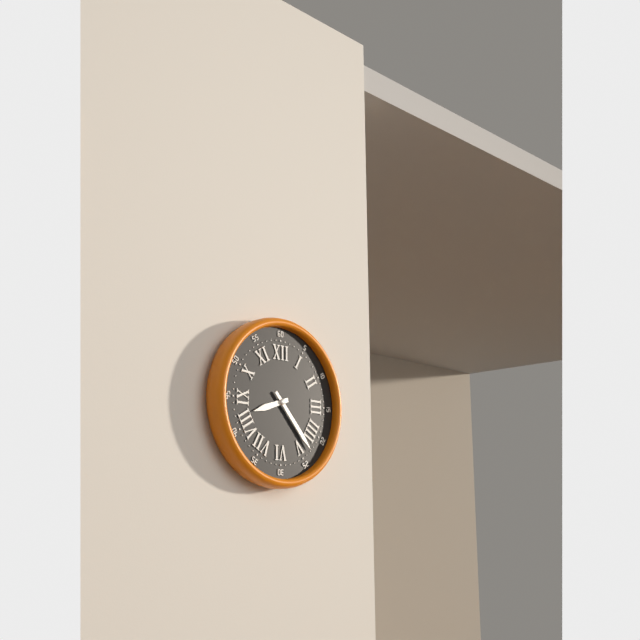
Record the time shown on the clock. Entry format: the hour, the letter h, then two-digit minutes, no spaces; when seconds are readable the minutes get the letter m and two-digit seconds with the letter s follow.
8h23
